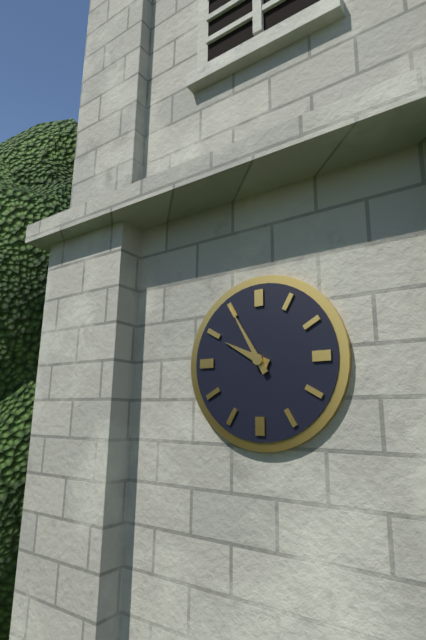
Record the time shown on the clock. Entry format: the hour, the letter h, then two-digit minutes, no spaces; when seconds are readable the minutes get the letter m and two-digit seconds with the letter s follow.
9h55
